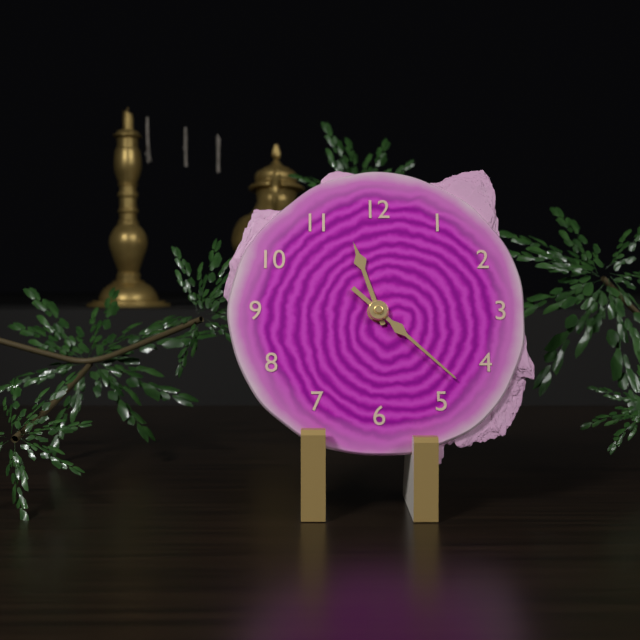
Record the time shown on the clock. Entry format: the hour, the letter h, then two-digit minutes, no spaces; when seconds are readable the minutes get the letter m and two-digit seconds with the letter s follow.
11h22
